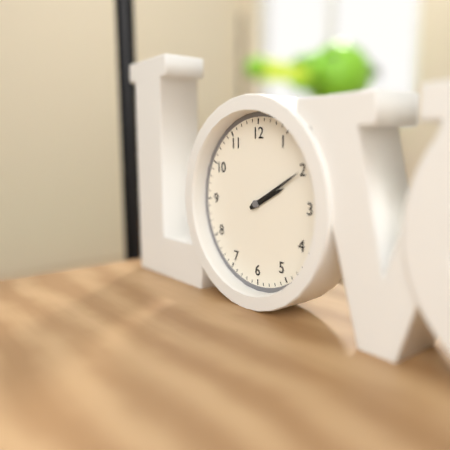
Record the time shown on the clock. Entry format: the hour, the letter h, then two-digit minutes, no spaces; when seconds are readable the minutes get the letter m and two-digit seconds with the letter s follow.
2h10
